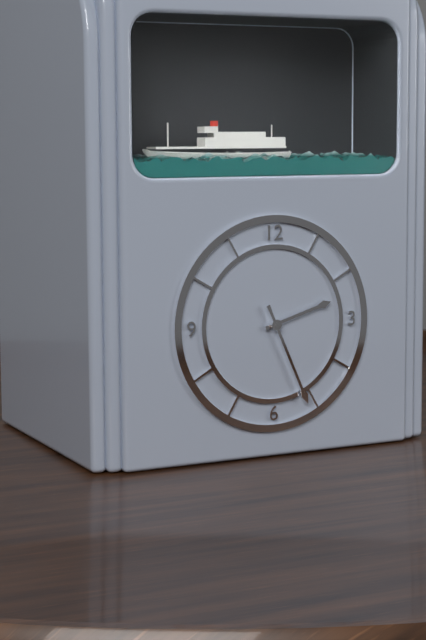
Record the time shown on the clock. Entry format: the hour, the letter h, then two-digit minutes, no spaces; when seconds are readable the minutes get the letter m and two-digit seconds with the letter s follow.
2h26
